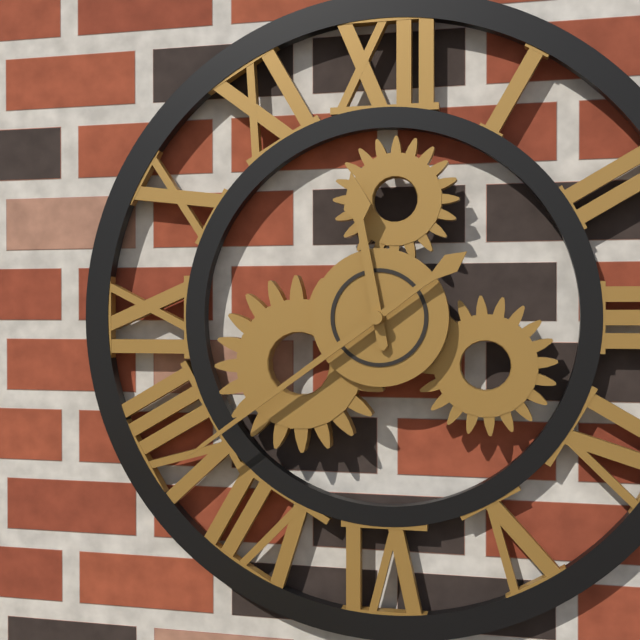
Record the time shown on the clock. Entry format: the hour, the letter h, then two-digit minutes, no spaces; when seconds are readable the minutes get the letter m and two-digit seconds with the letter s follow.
11h39
